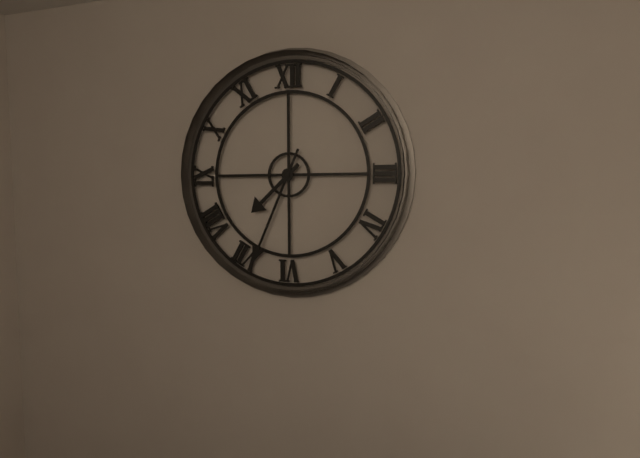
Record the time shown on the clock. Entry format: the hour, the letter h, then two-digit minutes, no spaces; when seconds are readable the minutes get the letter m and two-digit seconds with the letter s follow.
7h34
